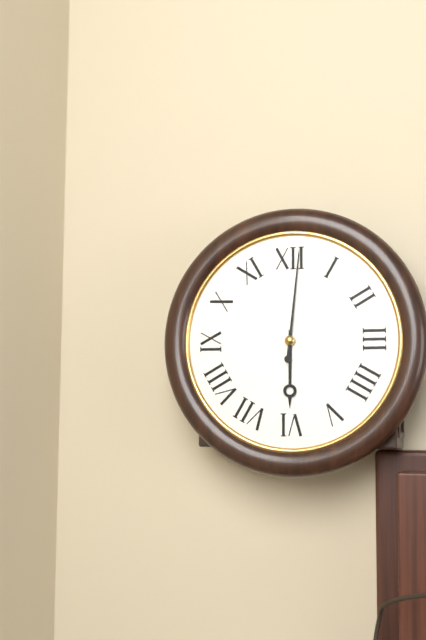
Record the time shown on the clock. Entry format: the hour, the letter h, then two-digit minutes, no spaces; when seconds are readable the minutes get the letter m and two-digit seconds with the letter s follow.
6h01
